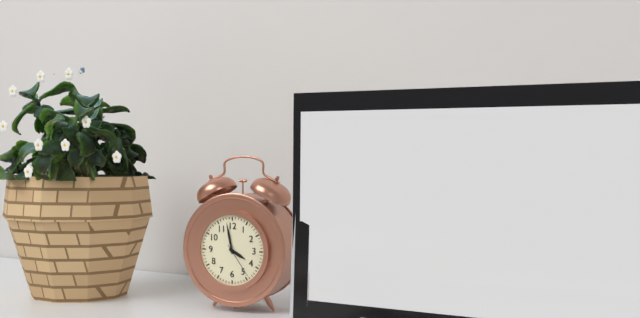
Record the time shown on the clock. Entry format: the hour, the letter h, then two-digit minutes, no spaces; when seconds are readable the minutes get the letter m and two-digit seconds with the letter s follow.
3h58
